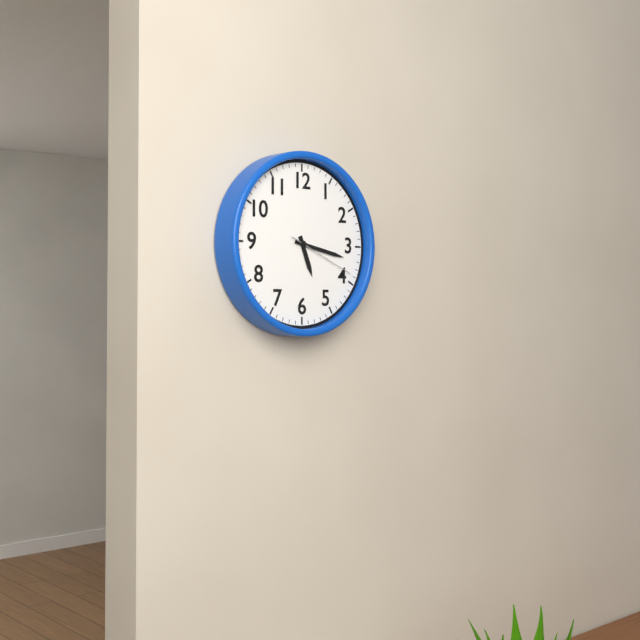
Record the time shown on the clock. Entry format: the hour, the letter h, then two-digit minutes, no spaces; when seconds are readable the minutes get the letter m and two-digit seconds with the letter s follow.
5h17m19s
